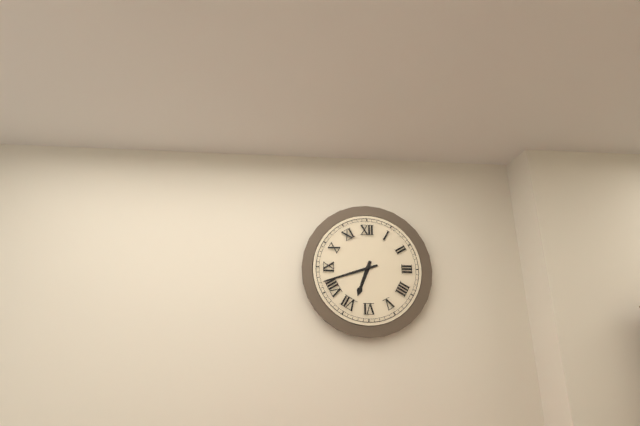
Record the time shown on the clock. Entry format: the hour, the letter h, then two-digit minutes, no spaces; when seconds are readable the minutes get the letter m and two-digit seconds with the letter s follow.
6h42
